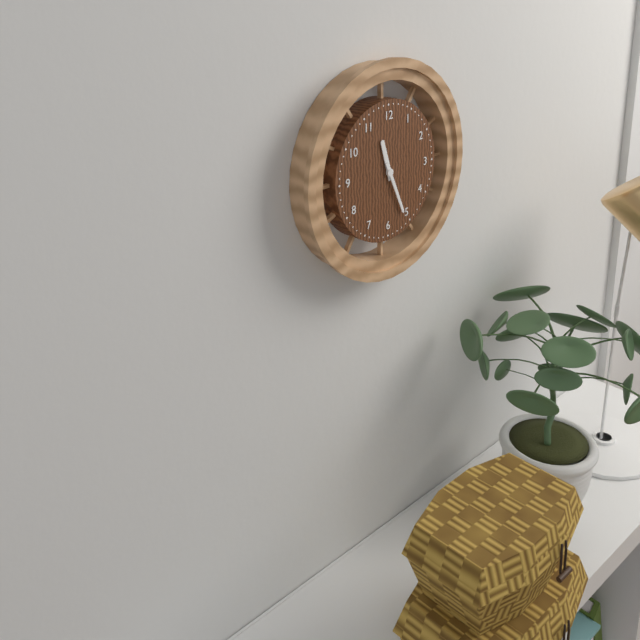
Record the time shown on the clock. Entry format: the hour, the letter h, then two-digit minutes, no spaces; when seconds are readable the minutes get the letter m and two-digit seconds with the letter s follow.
11h26
